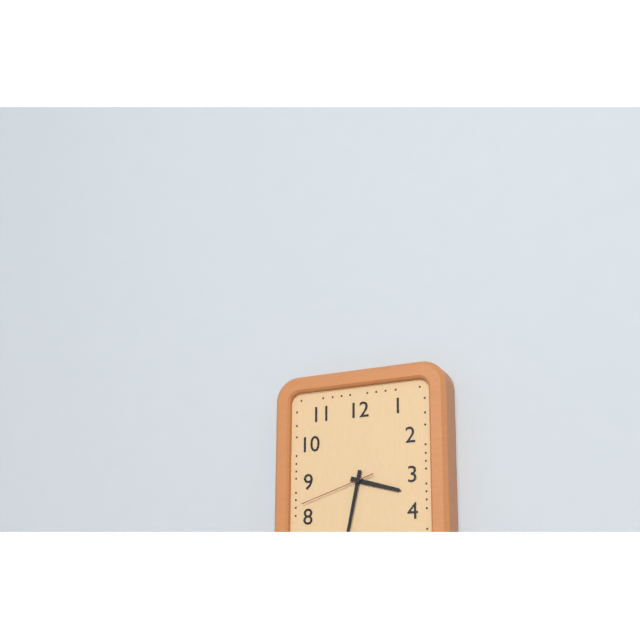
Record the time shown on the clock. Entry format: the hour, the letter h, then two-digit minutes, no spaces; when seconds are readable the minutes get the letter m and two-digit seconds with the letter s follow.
3h32m42s
